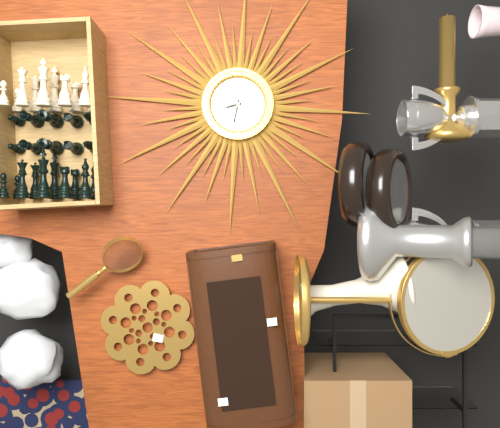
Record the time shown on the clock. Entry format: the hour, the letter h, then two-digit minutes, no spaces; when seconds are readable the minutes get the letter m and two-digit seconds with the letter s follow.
8h32
